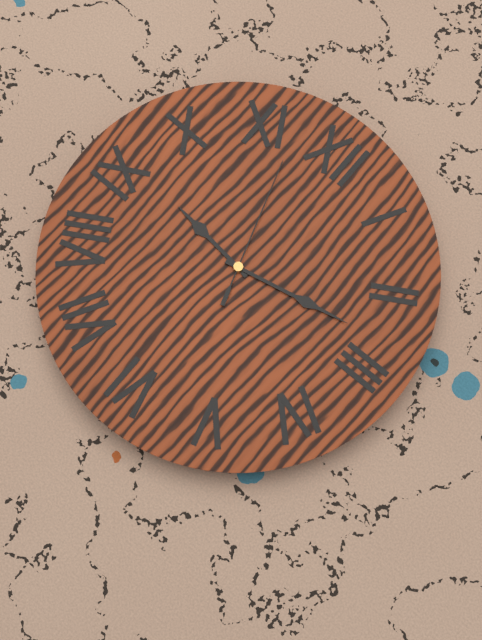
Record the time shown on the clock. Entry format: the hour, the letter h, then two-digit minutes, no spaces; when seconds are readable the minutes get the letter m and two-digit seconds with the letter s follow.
9h13m57s
